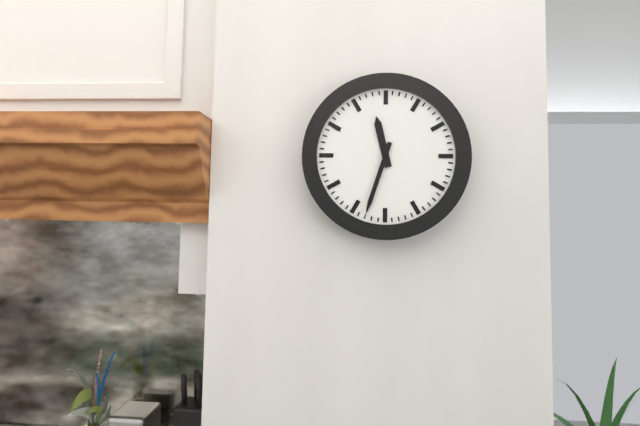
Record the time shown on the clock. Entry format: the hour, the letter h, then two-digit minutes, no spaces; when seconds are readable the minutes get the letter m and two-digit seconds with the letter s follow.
11h33
